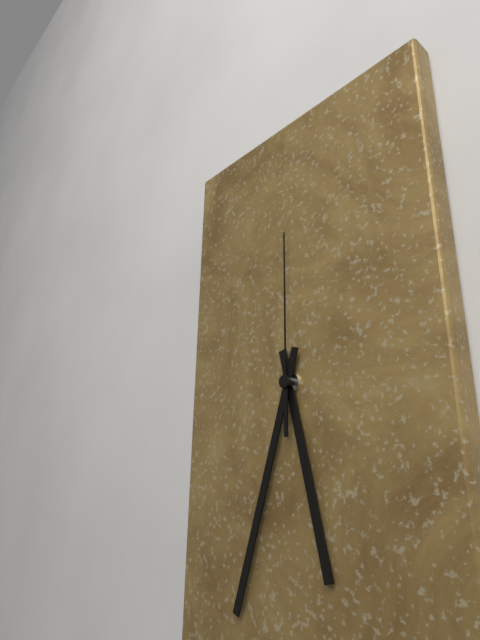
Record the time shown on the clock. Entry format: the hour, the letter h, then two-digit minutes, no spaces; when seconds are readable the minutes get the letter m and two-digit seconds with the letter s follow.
5h33m00s
